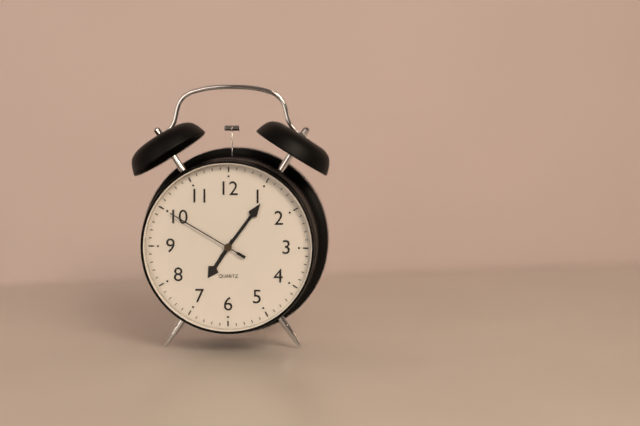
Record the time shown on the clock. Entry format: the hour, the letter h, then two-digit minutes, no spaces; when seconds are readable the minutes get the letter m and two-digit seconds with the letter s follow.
7h06m50s
